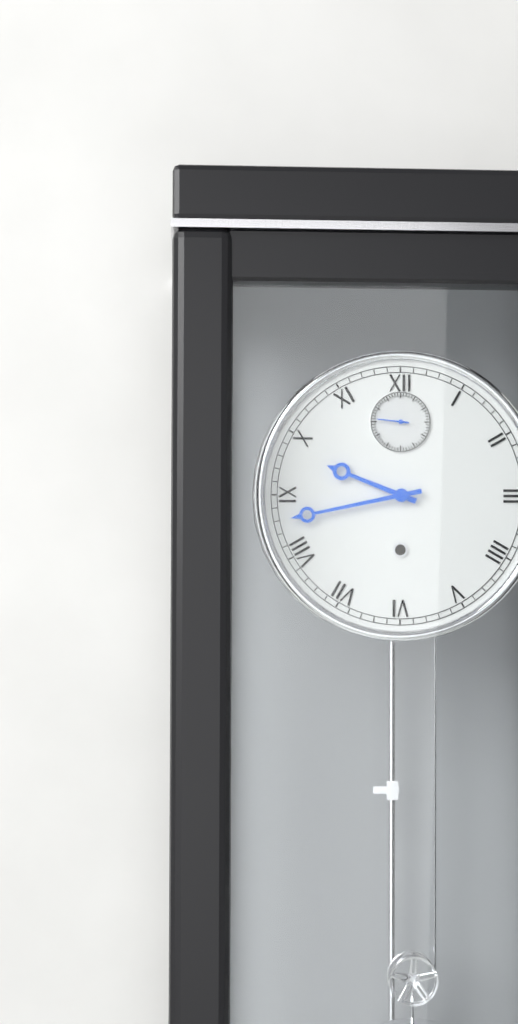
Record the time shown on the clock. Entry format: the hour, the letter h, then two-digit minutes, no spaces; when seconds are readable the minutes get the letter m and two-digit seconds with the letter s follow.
9h43
